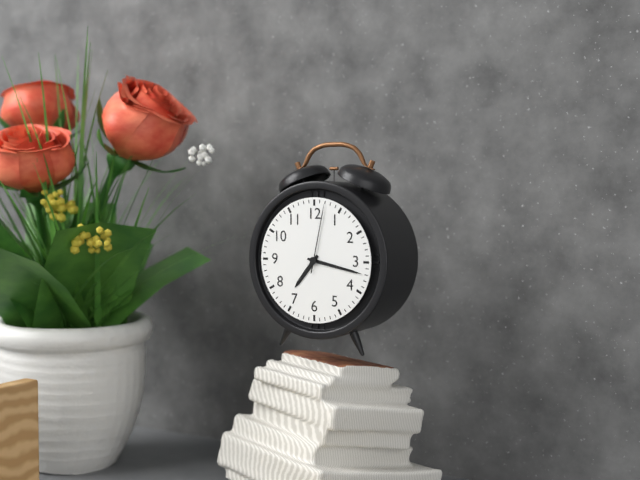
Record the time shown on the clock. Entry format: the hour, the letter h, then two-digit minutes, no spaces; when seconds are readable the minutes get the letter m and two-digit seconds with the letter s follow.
7h17m02s
